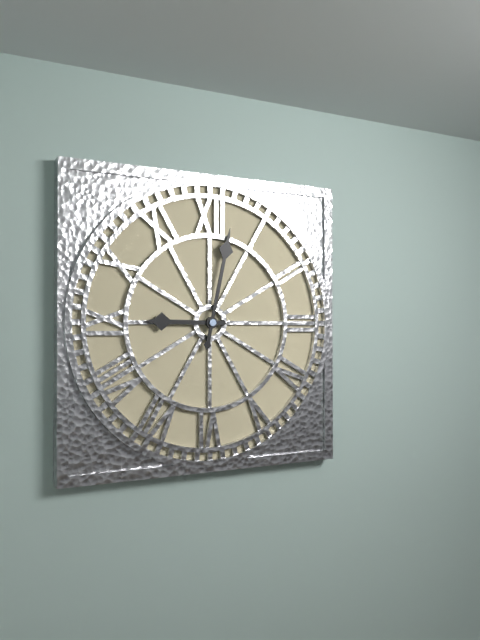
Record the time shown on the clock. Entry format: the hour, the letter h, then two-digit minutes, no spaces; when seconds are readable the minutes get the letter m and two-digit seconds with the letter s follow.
9h02
